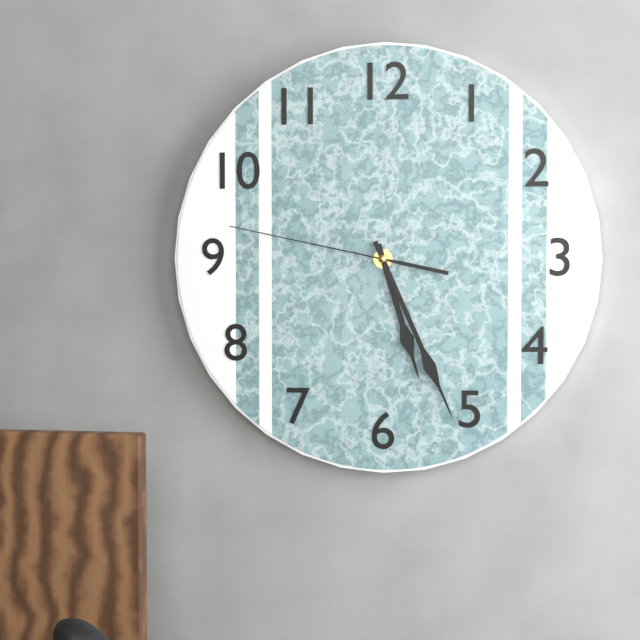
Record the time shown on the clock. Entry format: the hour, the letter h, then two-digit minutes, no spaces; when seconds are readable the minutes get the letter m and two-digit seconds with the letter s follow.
5h26m47s
